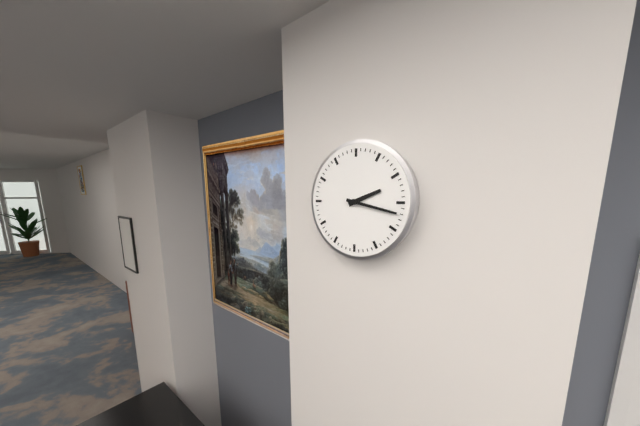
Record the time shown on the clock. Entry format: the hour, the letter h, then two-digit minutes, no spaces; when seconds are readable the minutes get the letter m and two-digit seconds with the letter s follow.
2h17
